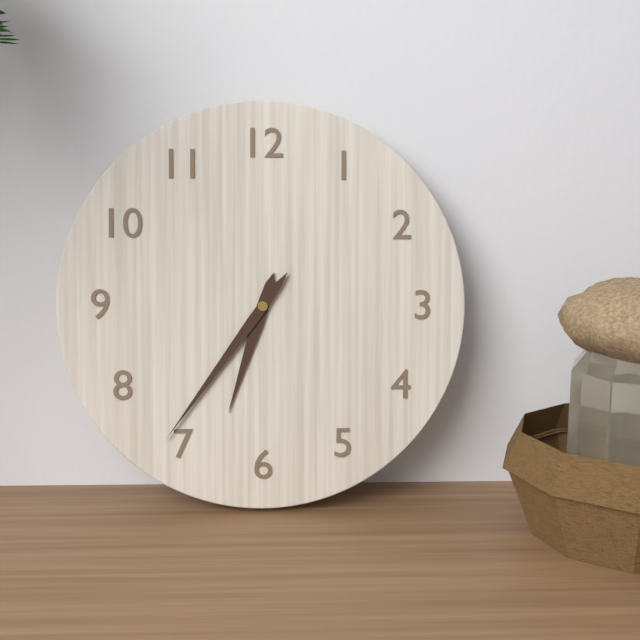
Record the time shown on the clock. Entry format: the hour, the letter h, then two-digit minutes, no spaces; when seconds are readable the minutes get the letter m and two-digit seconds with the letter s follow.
6h36
